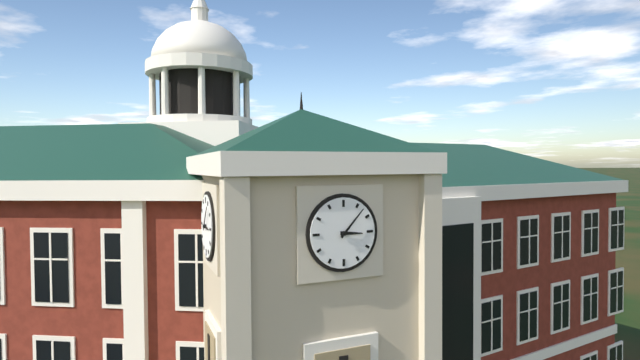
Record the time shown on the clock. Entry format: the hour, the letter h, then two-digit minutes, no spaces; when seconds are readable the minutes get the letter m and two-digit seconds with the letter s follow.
3h07
